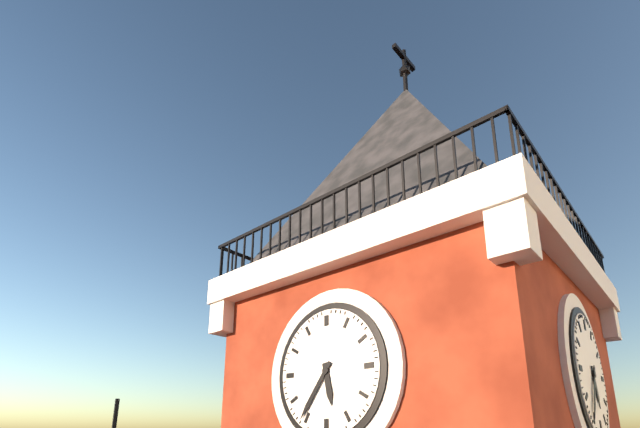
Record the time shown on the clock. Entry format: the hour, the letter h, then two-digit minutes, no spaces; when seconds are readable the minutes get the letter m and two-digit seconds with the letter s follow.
5h36
